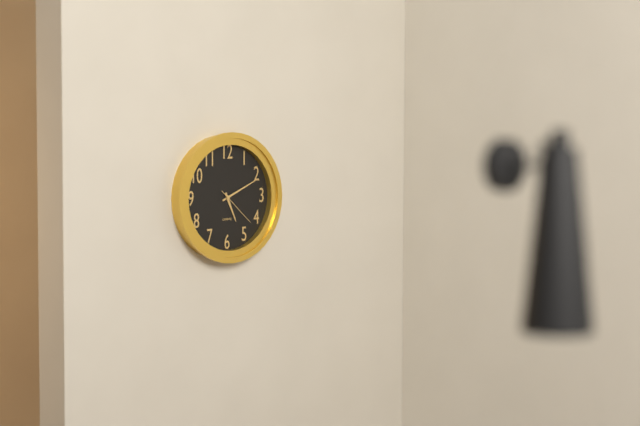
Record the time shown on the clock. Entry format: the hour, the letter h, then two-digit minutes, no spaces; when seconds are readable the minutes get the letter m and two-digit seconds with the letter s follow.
5h11
